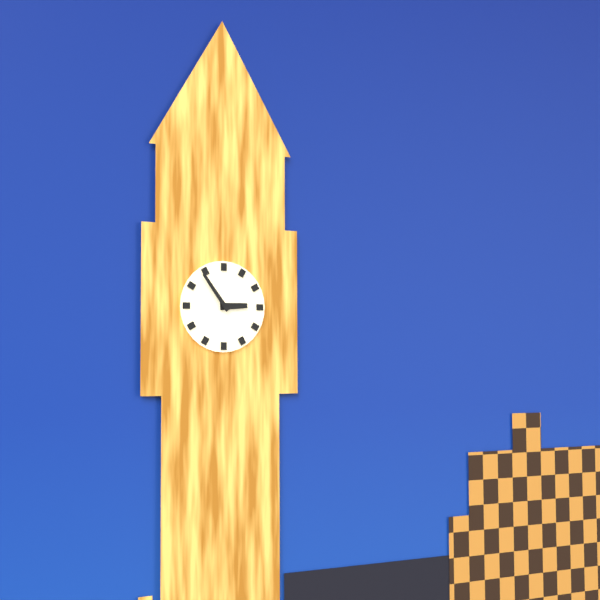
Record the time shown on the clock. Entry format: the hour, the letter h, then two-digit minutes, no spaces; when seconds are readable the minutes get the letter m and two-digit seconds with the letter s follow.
2h54
